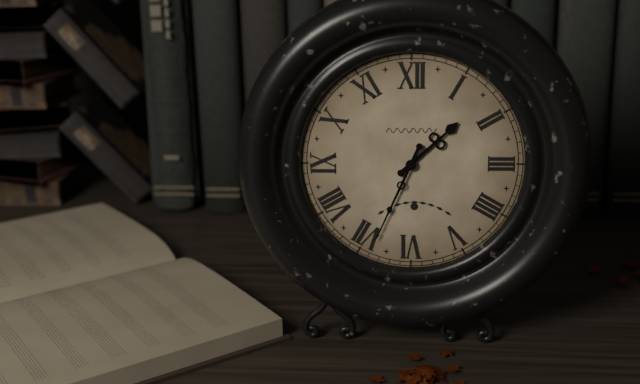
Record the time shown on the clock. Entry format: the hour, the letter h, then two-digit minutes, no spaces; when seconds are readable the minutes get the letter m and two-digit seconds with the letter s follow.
1h34
